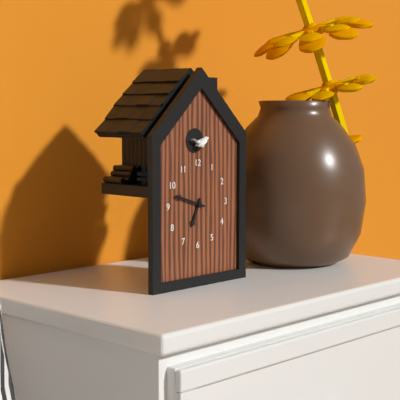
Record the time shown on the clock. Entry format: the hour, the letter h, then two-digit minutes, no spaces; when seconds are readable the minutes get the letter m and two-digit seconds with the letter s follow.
6h48
